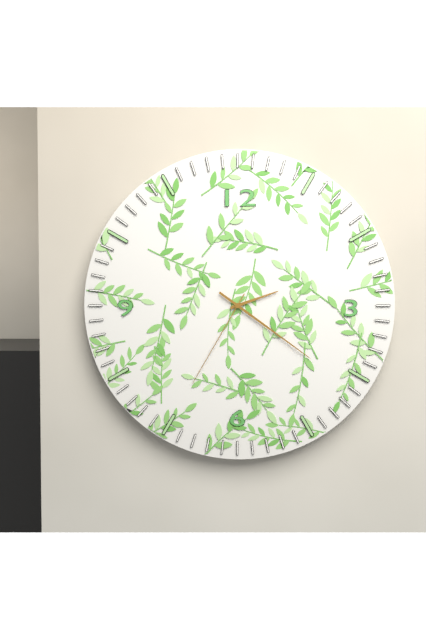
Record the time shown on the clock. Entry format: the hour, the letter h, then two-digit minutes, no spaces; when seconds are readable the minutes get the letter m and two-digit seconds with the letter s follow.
2h21m35s
